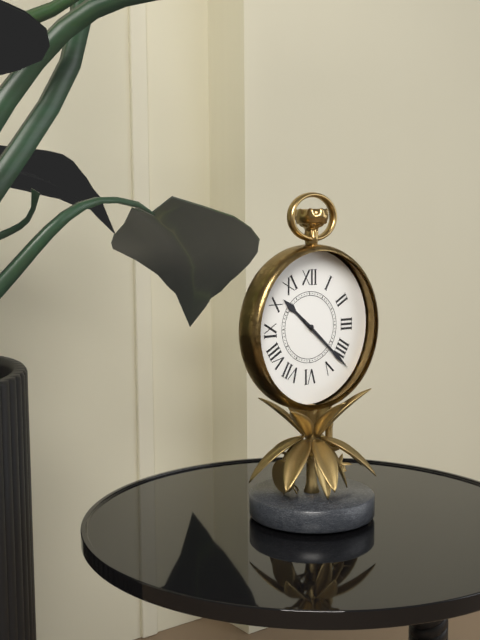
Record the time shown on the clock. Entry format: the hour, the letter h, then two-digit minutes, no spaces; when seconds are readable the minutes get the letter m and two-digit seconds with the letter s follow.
10h22
